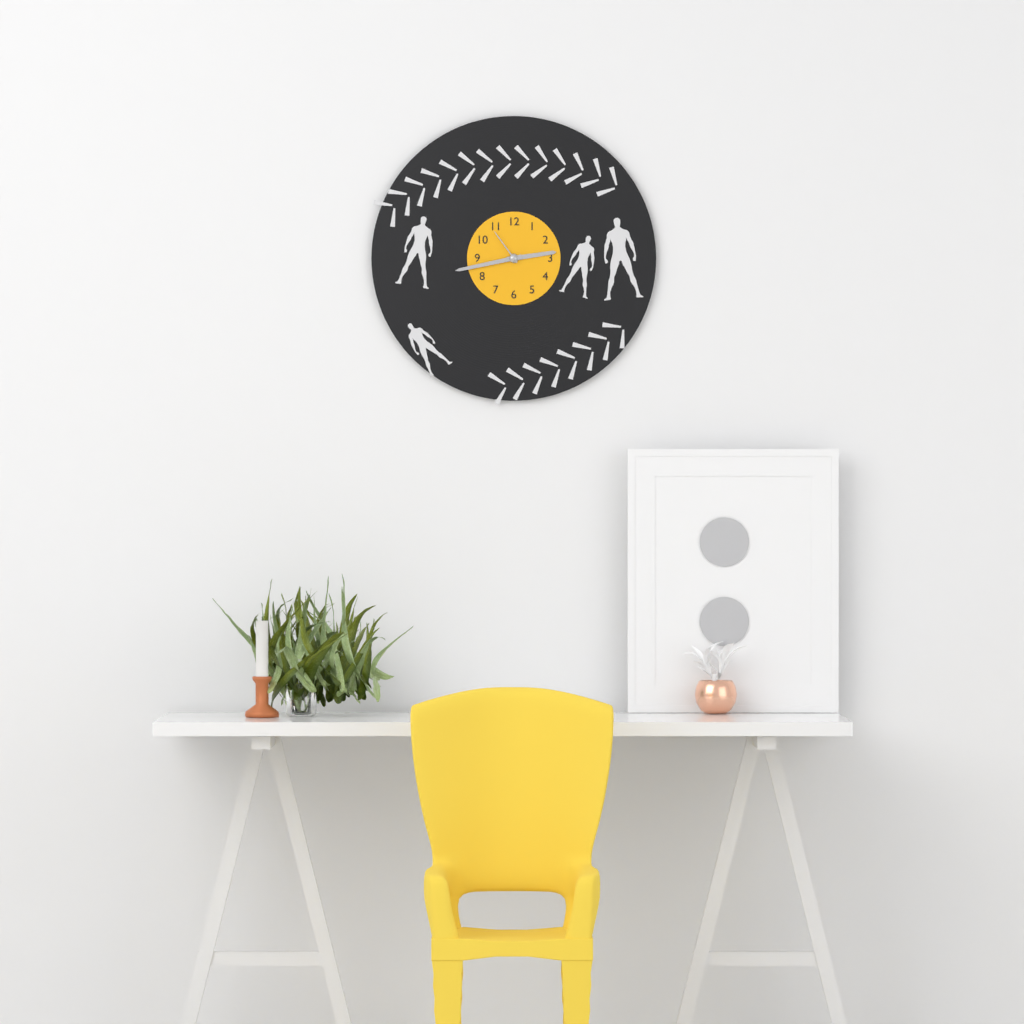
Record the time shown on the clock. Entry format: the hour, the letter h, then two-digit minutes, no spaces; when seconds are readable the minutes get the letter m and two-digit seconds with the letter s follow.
2h43
